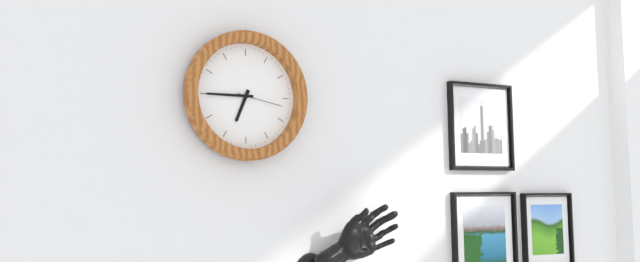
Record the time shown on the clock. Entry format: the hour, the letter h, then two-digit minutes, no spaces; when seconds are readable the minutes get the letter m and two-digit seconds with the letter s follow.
6h45
